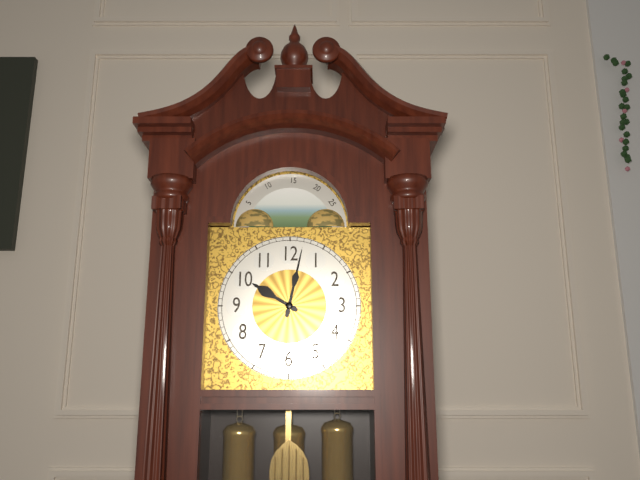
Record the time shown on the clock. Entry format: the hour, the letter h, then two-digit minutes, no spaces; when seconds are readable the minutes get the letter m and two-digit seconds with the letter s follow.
10h02
